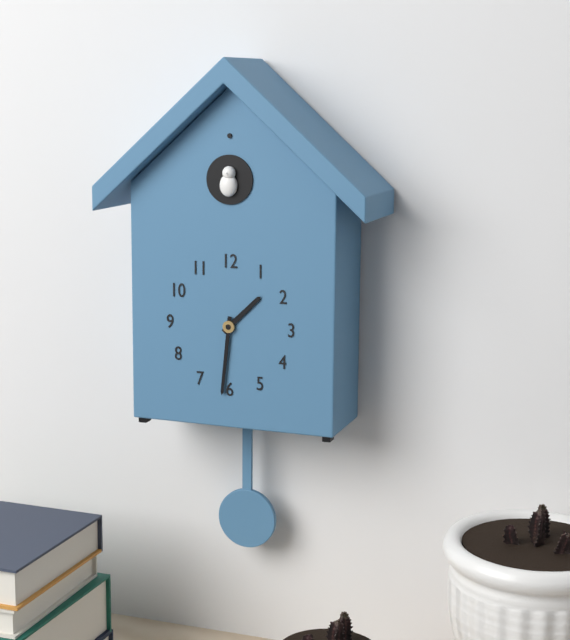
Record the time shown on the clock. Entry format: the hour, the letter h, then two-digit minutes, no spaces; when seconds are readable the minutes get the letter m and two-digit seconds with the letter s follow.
1h31
